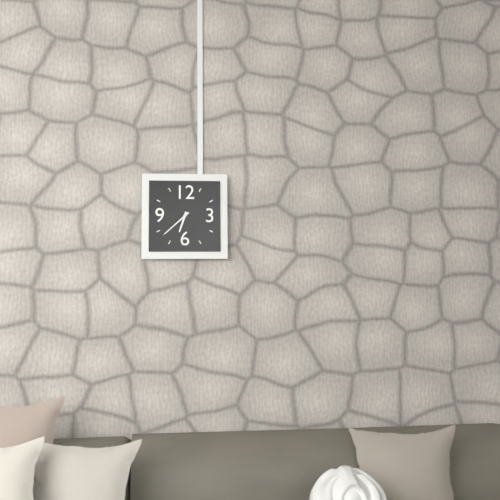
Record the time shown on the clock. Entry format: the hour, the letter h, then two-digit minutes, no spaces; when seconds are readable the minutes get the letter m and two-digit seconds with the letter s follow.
6h38
